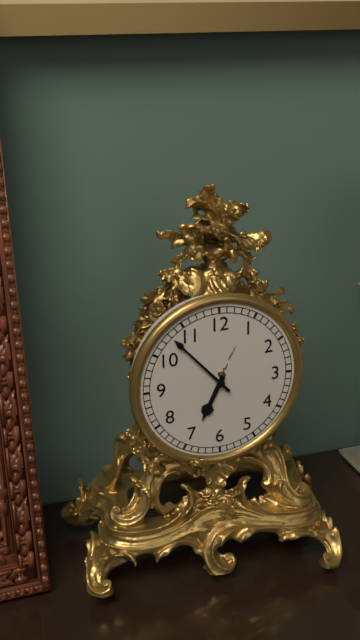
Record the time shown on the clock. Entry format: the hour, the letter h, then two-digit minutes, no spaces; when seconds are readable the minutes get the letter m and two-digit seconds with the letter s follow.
6h53
